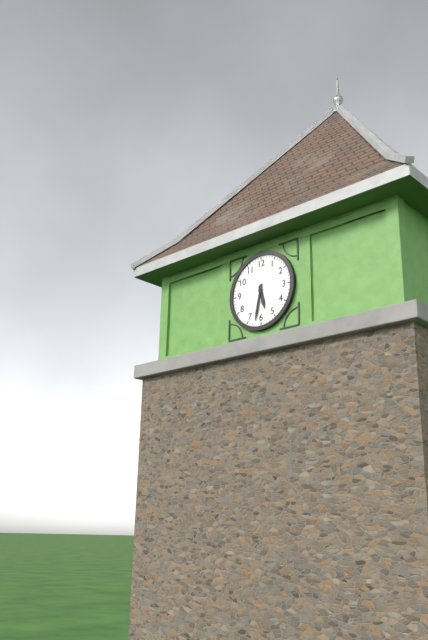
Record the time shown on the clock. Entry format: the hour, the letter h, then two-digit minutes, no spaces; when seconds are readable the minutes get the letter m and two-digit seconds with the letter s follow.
5h32
